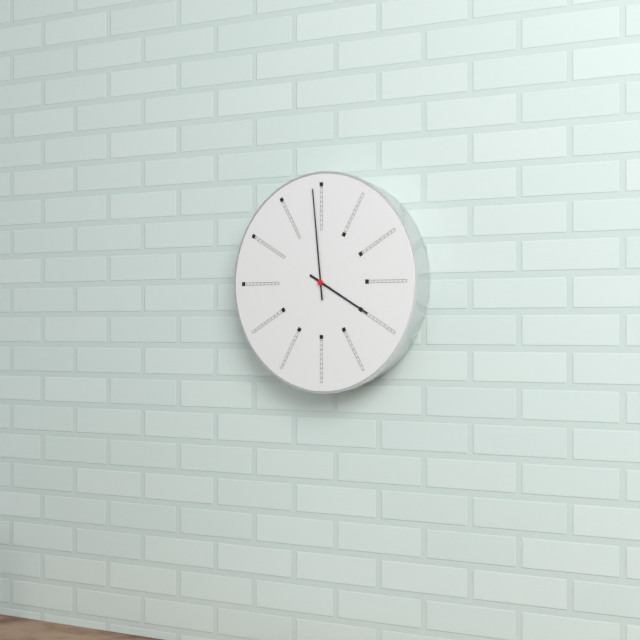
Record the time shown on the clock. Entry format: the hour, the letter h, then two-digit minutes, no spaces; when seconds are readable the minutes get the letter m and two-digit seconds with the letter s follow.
3h59
